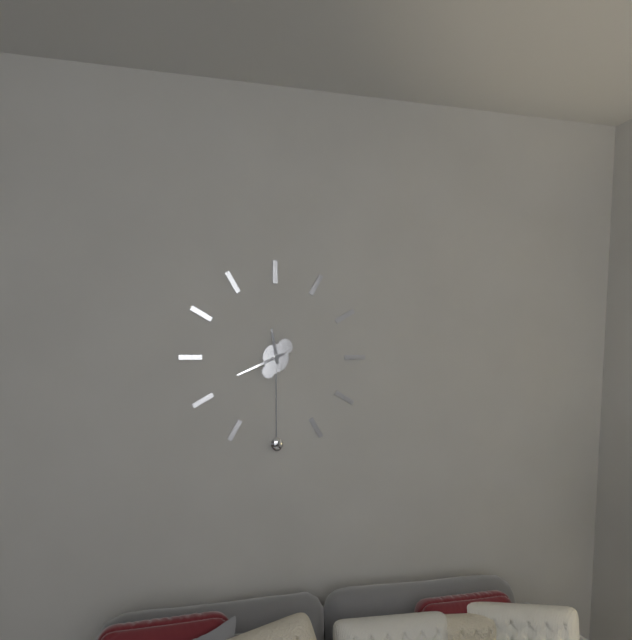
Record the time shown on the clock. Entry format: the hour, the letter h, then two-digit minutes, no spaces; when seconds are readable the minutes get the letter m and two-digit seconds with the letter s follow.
11h41
